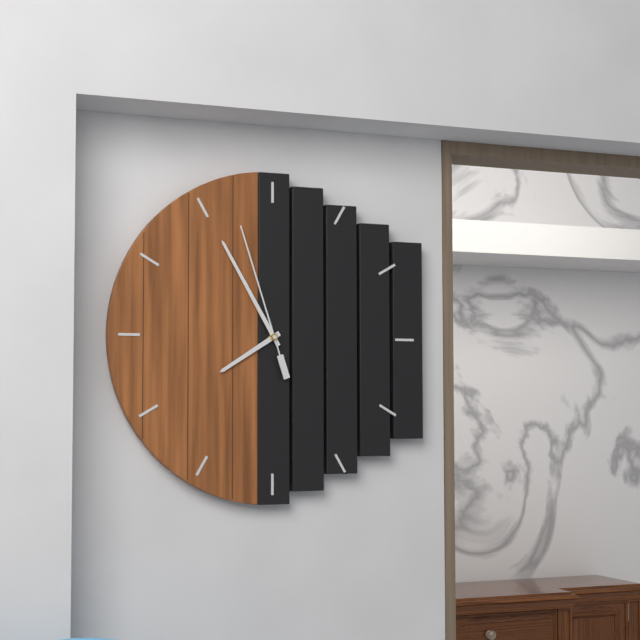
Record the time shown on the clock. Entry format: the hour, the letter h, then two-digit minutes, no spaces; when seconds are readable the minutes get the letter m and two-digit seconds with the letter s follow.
7h55m57s
